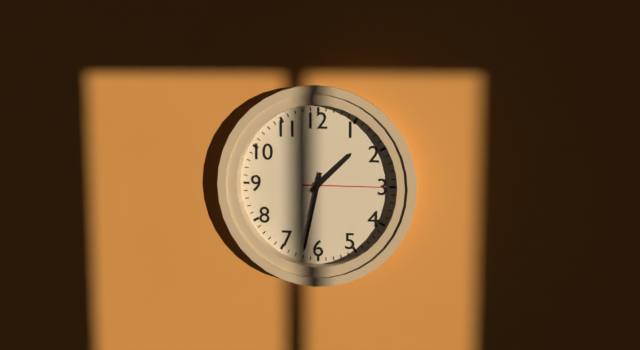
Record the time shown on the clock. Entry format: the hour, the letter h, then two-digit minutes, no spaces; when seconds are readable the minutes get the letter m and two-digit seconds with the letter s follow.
1h32m15s
